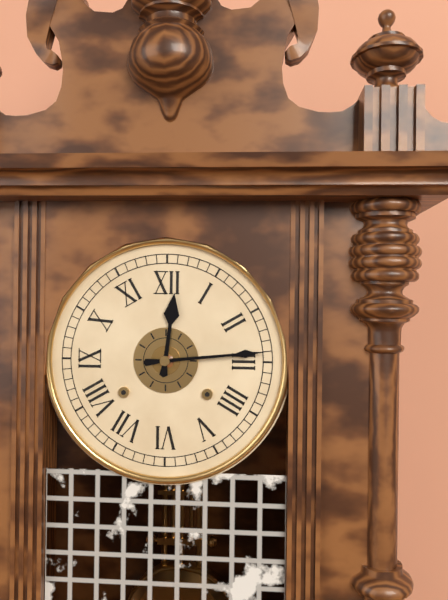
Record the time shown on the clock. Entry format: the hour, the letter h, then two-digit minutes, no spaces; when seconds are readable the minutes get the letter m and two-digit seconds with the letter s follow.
12h14
